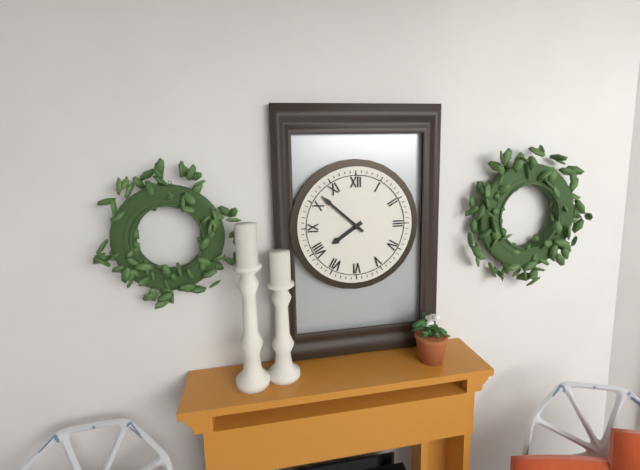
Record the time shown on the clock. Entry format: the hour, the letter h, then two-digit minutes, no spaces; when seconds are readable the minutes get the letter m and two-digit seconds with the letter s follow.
7h52
